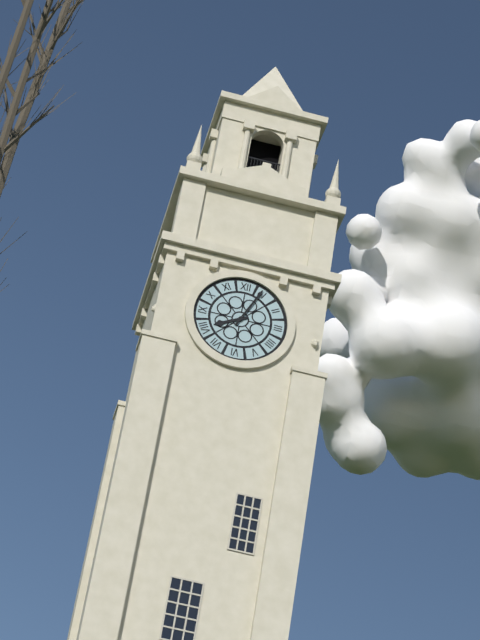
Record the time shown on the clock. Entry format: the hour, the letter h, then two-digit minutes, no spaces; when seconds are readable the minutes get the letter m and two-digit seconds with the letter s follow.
8h04
